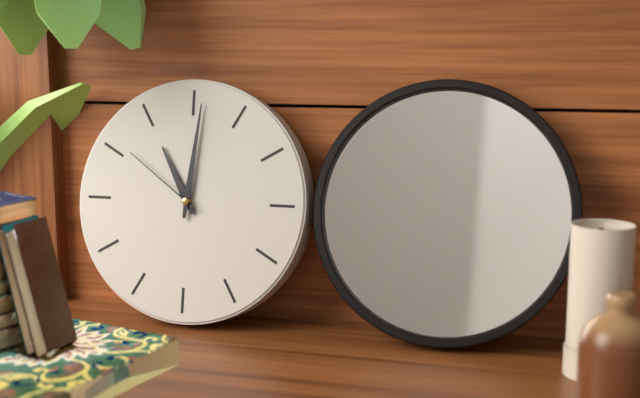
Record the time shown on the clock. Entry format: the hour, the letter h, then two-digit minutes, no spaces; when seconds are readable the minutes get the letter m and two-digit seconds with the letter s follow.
11h01m51s
